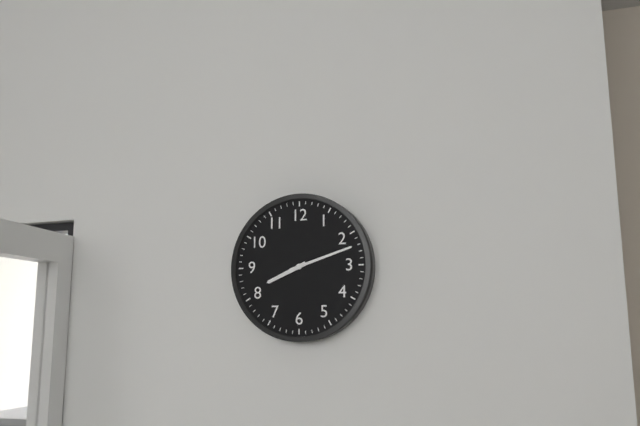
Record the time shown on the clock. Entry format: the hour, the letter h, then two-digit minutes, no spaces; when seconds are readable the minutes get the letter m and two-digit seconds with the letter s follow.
8h12
